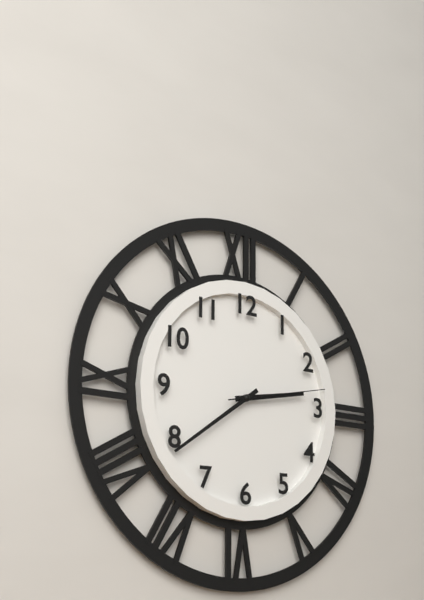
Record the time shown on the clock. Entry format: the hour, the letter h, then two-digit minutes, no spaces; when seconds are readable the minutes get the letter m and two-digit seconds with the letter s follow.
2h39m13s
